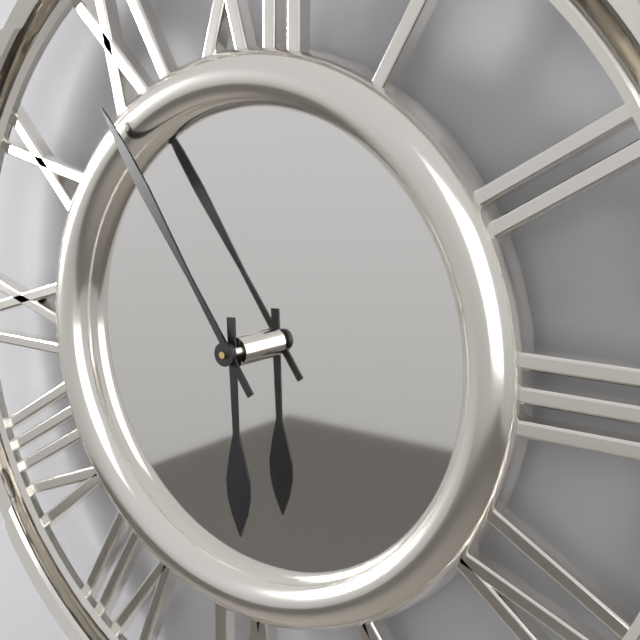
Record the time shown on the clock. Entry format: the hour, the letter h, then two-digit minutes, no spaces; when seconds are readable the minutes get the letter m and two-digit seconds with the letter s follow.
5h54
